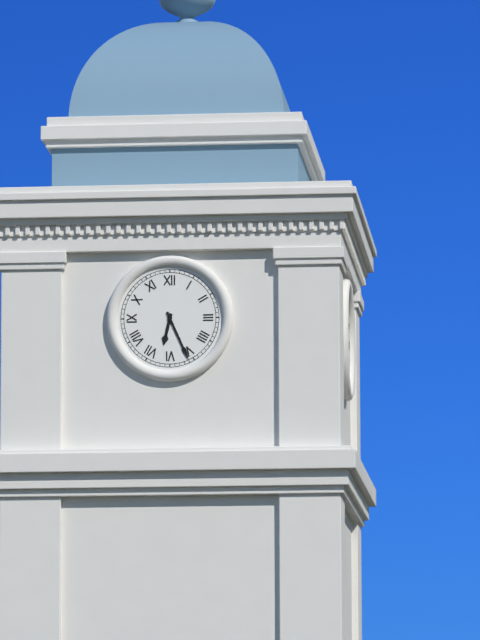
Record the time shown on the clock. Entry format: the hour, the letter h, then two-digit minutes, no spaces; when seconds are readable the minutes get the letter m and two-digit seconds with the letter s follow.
6h26
